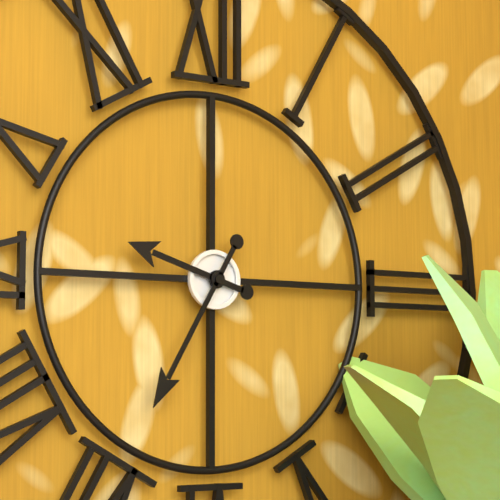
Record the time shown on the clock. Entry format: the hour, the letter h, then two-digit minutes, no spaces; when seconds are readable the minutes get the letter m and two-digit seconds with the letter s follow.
9h35
